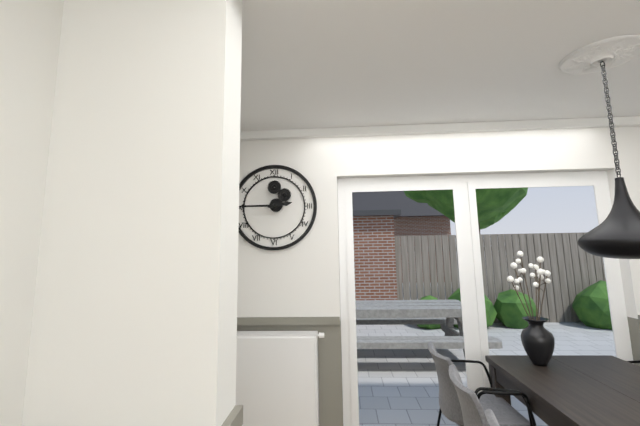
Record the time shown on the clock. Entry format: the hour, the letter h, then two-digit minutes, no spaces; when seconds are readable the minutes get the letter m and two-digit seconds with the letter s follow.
2h45
